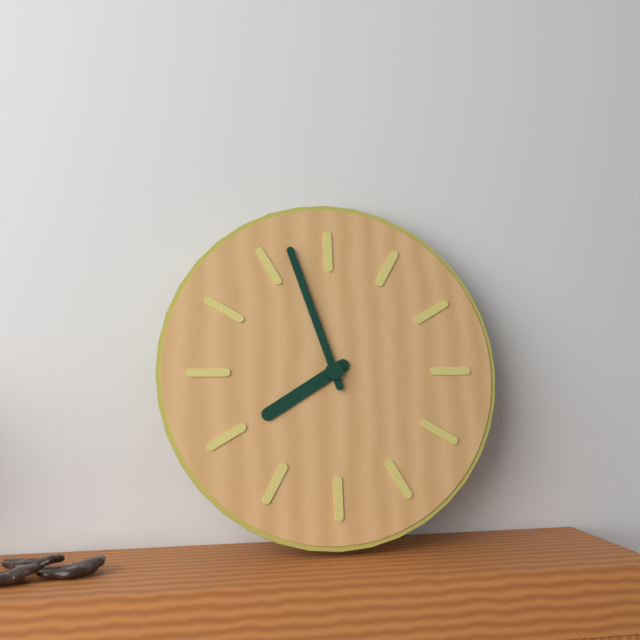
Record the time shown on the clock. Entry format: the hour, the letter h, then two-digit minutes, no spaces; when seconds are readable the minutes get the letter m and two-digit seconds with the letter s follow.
7h57
